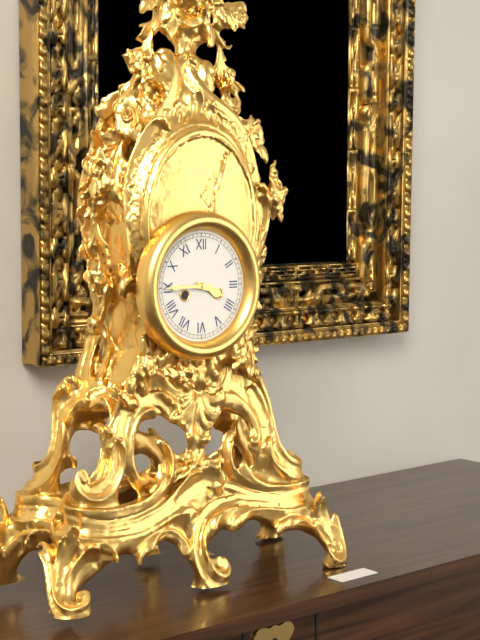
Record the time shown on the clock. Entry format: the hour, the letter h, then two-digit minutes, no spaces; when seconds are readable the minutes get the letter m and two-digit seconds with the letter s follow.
3h45
